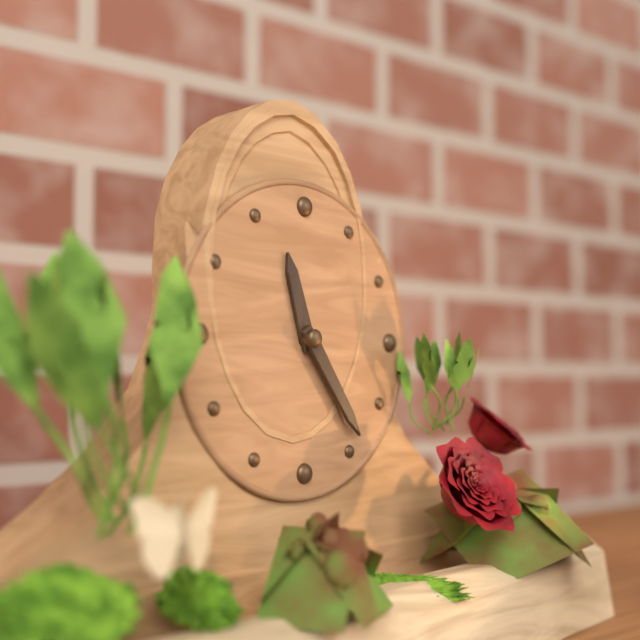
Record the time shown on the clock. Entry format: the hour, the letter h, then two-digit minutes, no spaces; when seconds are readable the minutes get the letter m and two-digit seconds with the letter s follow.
11h24
